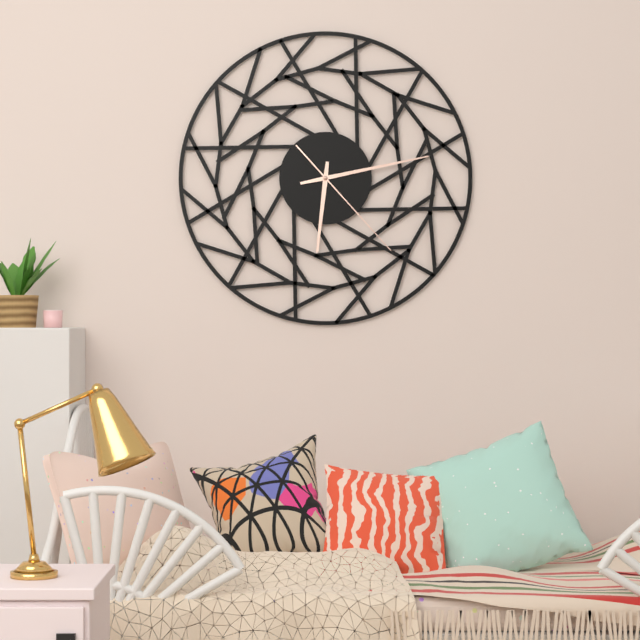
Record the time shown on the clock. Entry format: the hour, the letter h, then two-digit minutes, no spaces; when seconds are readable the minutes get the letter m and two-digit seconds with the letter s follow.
6h13m23s
